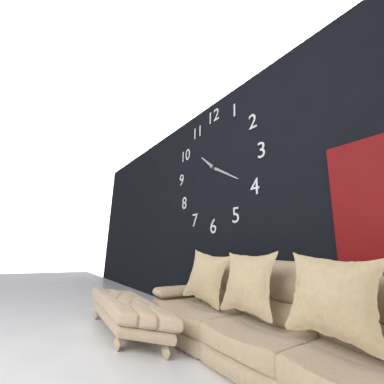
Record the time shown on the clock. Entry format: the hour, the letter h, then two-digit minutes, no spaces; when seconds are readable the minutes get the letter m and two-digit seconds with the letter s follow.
10h20
